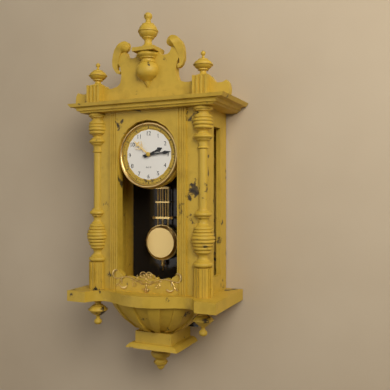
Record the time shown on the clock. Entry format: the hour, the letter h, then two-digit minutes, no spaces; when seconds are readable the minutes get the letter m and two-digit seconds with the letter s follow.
2h14
